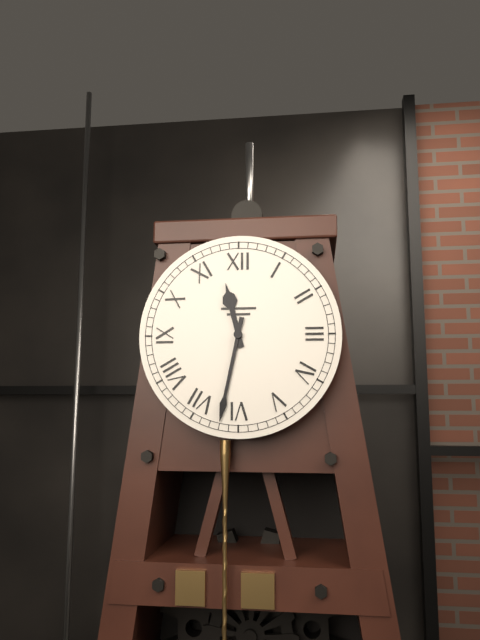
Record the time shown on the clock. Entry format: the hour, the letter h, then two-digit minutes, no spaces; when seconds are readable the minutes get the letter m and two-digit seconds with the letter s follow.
11h32
